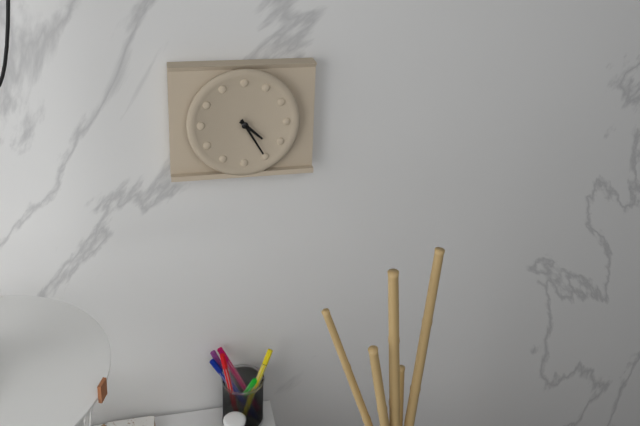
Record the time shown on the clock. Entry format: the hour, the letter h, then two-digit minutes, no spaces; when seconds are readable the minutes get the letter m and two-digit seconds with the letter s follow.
4h25
